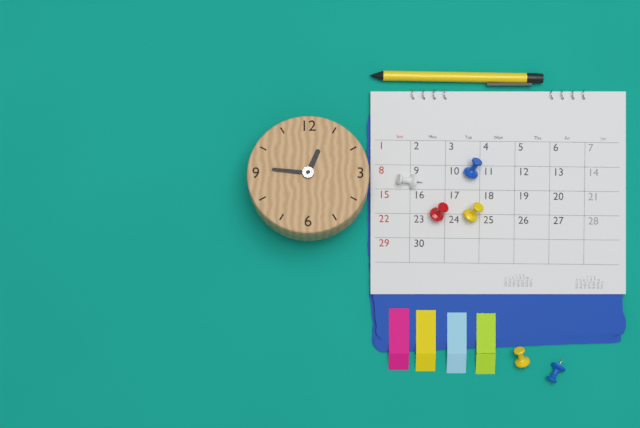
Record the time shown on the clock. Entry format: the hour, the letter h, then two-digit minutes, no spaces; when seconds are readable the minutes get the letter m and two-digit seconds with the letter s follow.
12h46
